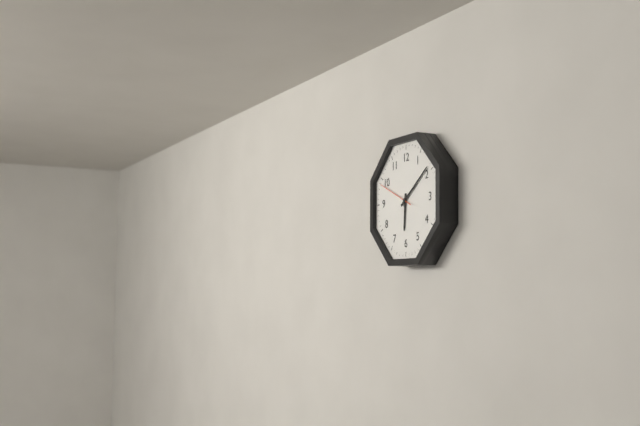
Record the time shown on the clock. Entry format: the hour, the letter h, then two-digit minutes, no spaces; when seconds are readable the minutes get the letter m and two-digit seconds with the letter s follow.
6h09
